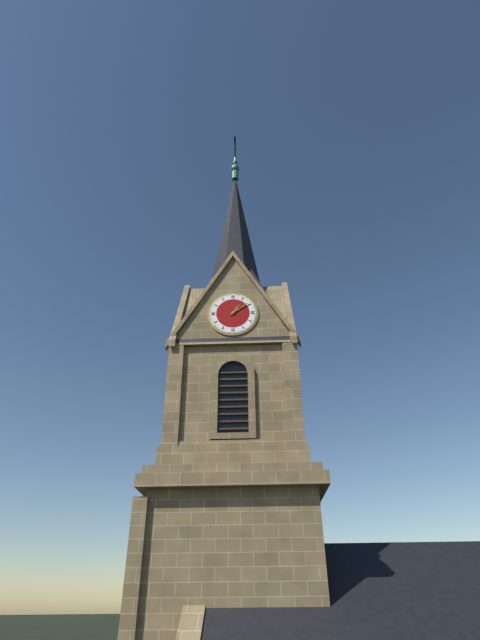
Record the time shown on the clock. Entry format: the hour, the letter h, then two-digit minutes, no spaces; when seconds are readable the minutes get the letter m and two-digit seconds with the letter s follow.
1h09
